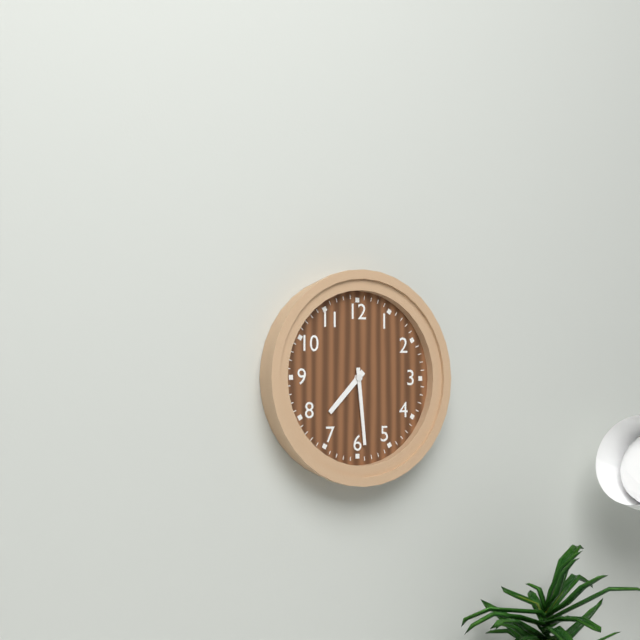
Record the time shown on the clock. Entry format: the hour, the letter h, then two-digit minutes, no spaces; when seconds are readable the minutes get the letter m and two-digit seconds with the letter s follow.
7h29
